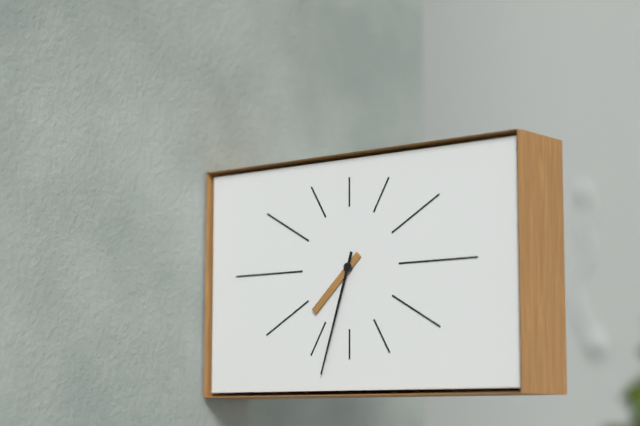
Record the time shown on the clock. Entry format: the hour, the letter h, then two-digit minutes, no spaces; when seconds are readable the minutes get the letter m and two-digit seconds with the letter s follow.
7h33
